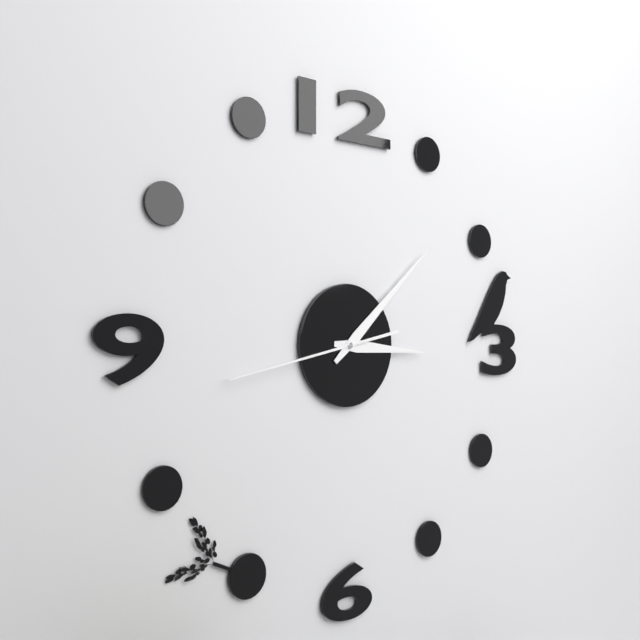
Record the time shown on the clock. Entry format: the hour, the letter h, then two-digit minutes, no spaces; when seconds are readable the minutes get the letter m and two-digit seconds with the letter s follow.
3h08m43s
